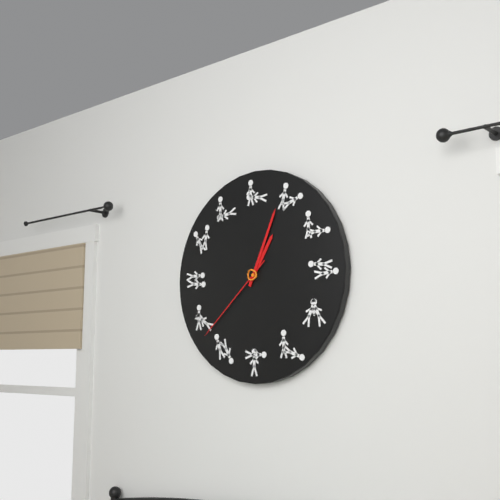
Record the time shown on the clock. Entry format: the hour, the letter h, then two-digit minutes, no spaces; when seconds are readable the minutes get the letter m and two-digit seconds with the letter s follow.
1h04m38s
